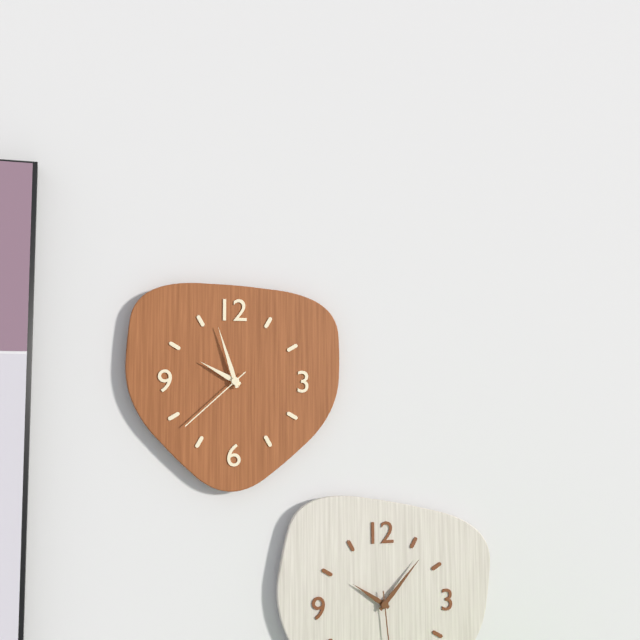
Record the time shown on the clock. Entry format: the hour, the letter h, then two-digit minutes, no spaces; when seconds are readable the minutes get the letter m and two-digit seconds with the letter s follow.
9h57m38s
